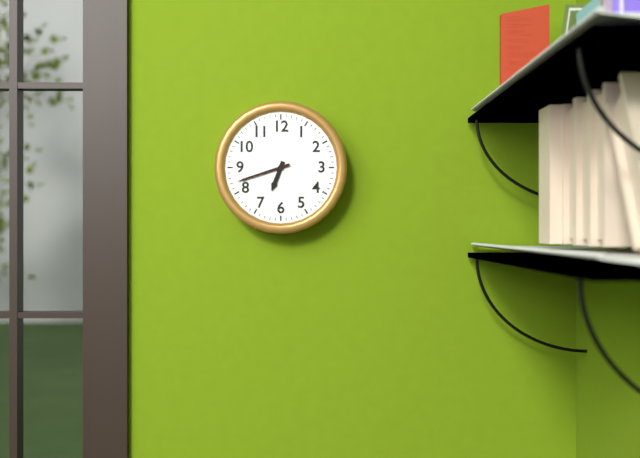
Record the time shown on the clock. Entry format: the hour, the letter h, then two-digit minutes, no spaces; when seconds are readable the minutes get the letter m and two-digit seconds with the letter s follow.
6h42
